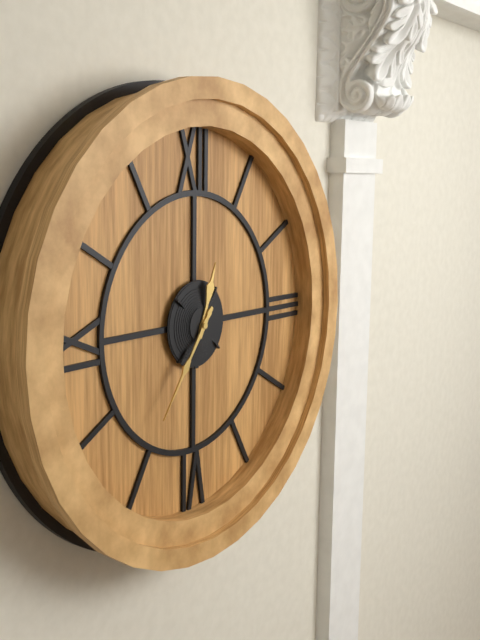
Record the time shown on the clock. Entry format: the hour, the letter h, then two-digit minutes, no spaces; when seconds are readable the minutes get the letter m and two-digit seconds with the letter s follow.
12h36
